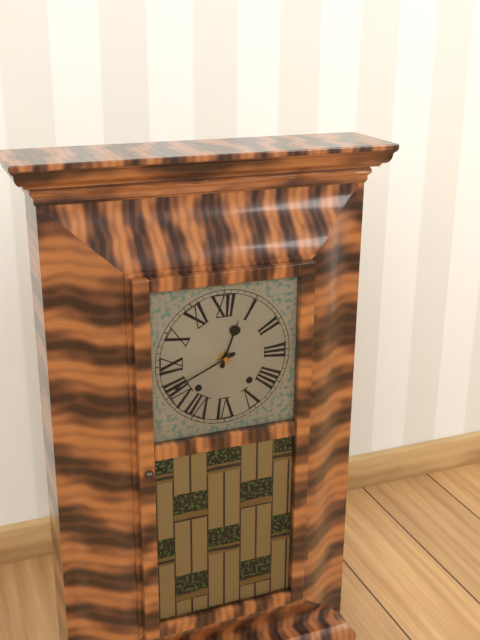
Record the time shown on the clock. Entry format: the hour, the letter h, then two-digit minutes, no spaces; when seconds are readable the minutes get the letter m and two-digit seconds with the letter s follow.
12h41
